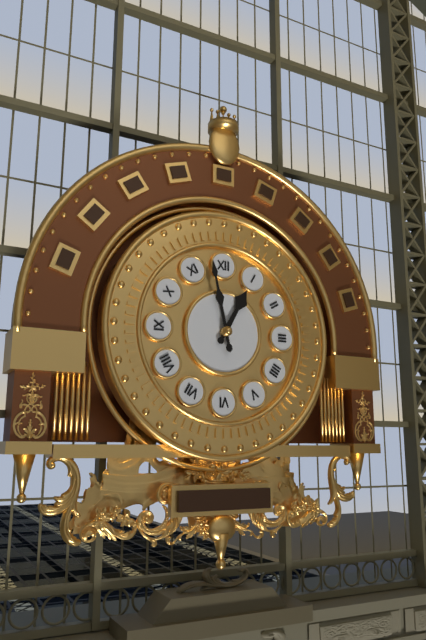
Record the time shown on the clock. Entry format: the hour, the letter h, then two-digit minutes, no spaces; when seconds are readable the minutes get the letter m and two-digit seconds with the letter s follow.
12h58
